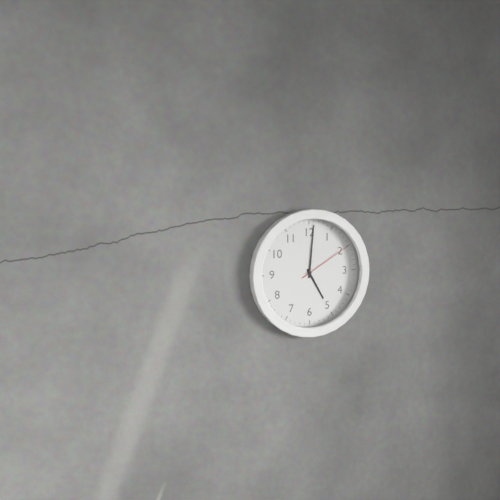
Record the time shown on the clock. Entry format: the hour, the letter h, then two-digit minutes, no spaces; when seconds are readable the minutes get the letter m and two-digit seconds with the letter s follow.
5h01m10s
